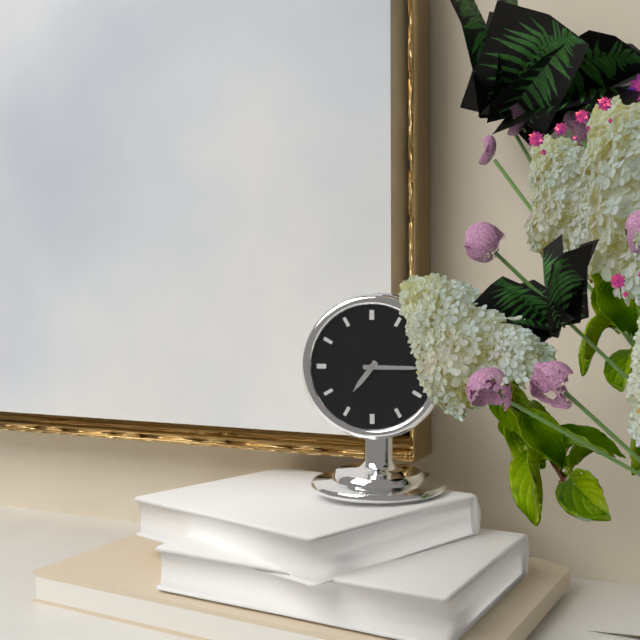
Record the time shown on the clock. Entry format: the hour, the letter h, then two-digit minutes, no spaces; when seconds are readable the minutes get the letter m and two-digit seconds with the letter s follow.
7h15
